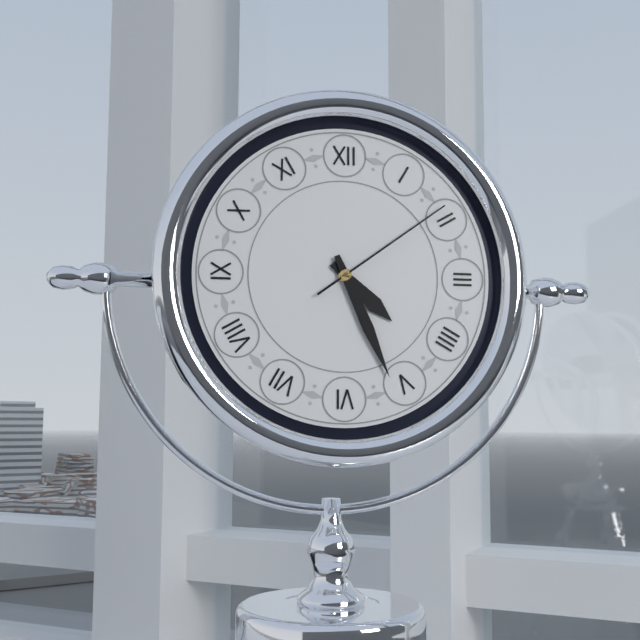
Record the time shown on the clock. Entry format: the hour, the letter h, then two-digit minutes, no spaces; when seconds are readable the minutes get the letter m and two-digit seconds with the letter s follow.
4h26m09s
